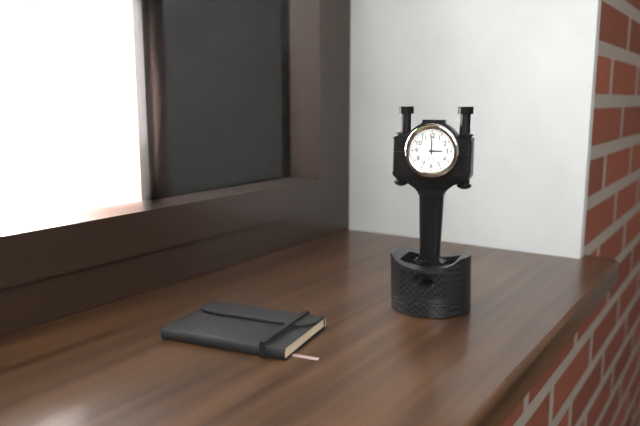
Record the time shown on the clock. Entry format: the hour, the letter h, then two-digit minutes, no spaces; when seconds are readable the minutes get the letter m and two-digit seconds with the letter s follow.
3h00
